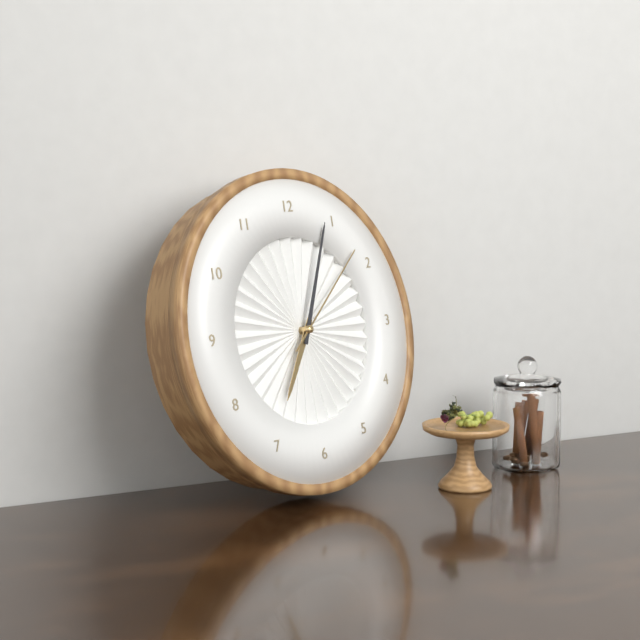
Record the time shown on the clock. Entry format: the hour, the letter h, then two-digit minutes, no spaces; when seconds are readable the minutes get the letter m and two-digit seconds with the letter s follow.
7h04m08s
